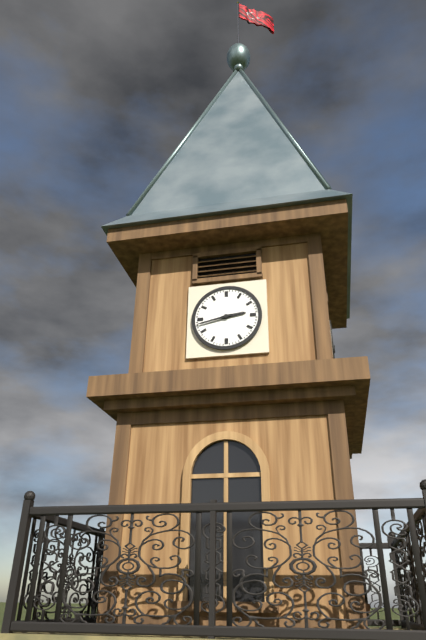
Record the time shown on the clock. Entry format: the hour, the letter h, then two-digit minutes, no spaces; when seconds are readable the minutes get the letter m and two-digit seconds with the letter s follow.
2h43
